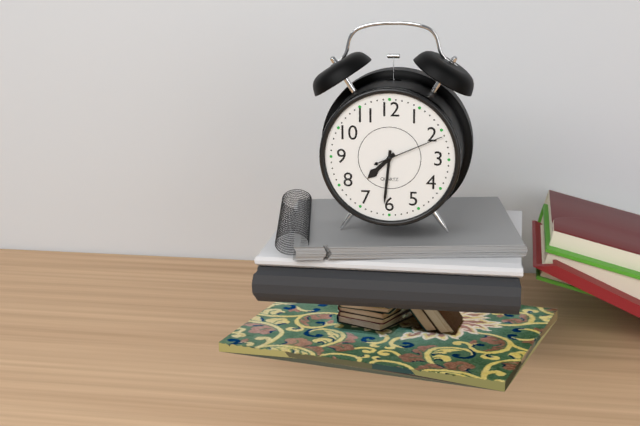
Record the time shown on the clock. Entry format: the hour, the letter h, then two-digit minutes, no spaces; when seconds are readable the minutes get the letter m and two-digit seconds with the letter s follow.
7h31m11s
